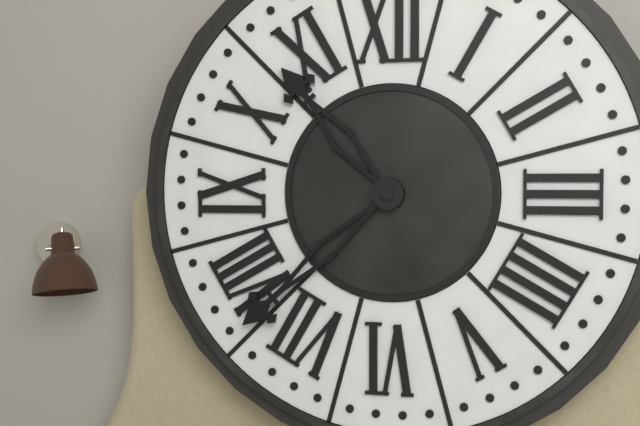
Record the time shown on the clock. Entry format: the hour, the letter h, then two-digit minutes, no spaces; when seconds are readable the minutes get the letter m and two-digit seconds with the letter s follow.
10h38
